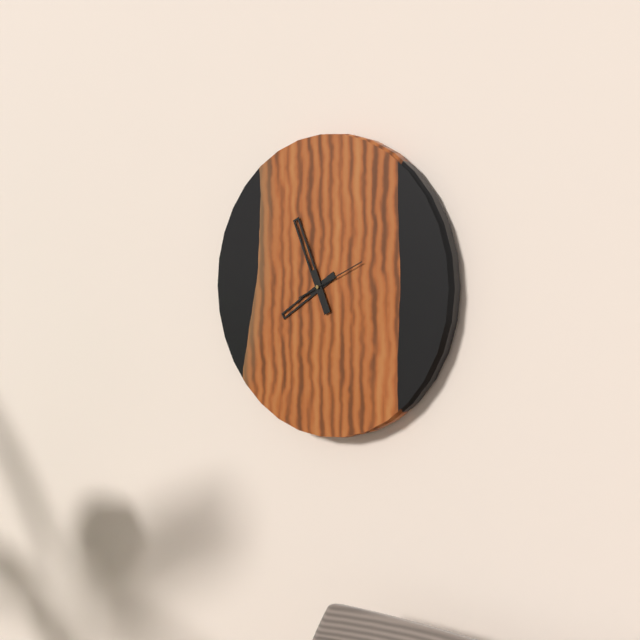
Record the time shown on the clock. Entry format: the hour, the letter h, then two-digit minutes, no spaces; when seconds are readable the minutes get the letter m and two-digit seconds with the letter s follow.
7h56m11s
